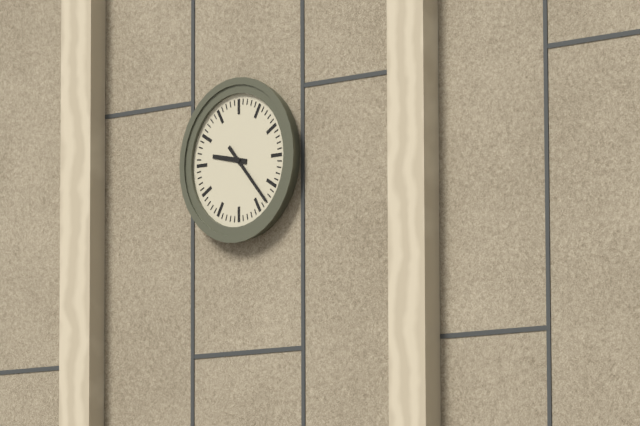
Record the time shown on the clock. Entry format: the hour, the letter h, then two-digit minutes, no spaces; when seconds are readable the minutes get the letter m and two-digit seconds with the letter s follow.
9h23
